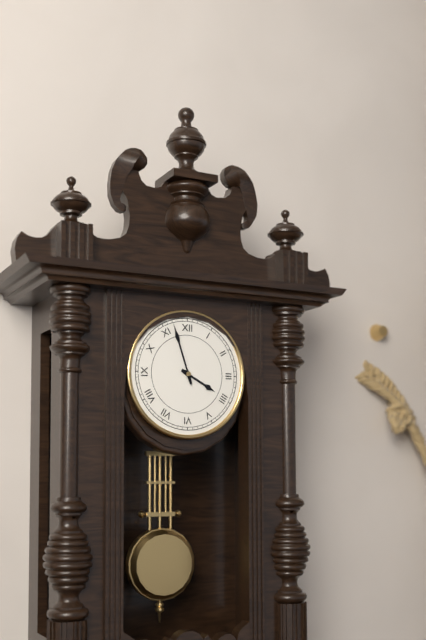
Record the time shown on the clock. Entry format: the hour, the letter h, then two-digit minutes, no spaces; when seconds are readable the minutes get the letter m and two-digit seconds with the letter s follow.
3h57
